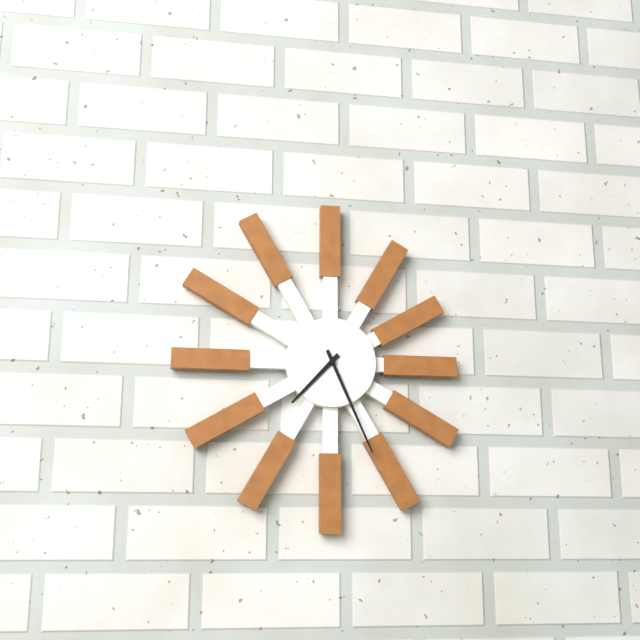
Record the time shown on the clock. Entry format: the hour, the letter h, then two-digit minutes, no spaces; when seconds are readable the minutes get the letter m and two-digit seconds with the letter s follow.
7h26
